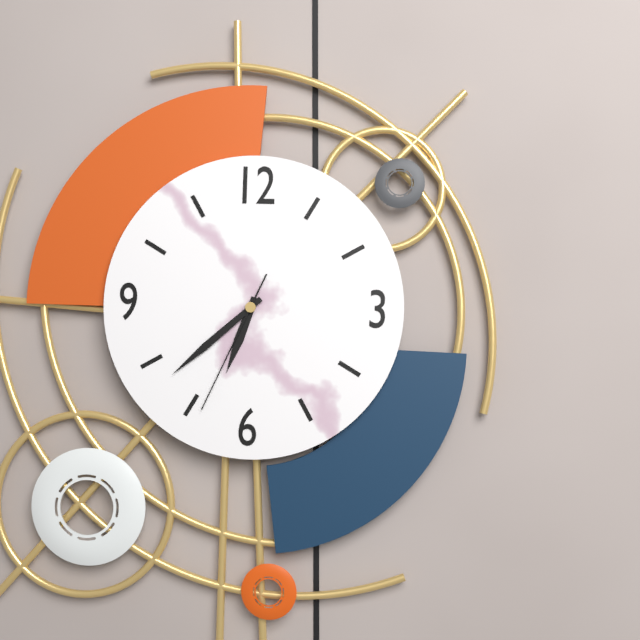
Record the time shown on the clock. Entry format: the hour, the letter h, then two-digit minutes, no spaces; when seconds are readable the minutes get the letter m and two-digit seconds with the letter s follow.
6h38m34s
